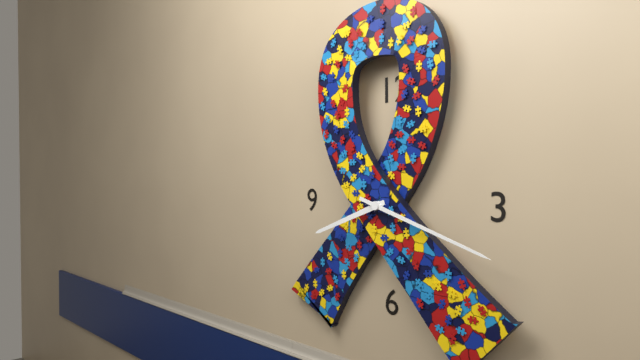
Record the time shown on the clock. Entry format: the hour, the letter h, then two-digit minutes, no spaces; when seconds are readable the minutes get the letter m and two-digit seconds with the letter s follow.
8h18
